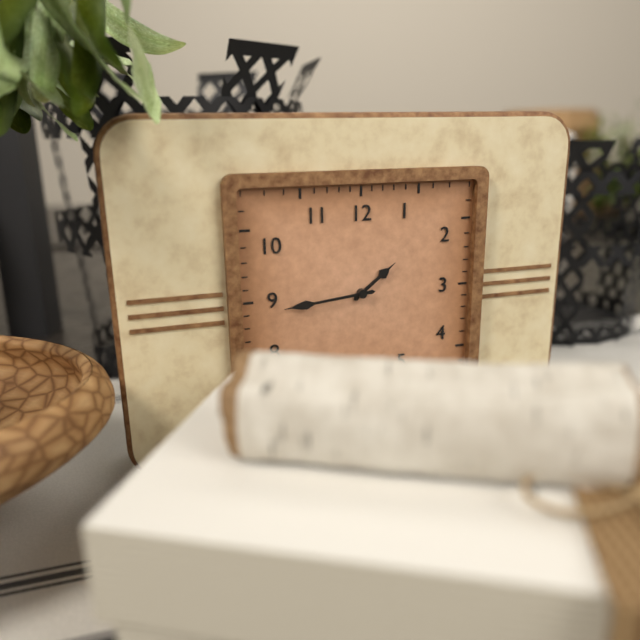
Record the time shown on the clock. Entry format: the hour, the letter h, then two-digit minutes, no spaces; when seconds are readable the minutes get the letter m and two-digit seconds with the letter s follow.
1h44
